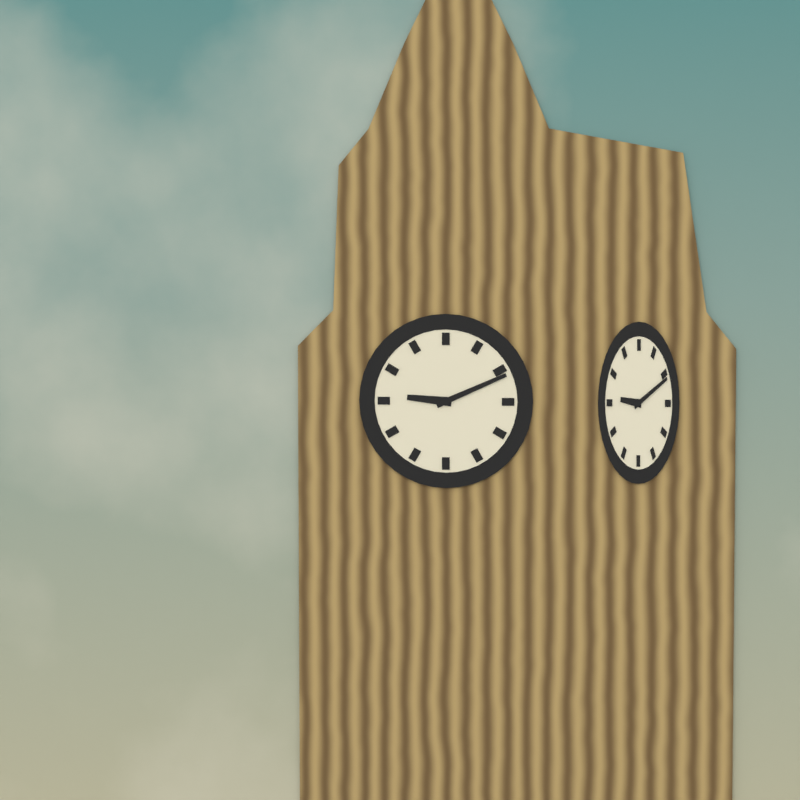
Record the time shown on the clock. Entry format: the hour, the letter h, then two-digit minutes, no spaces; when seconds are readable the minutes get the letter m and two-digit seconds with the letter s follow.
9h11
